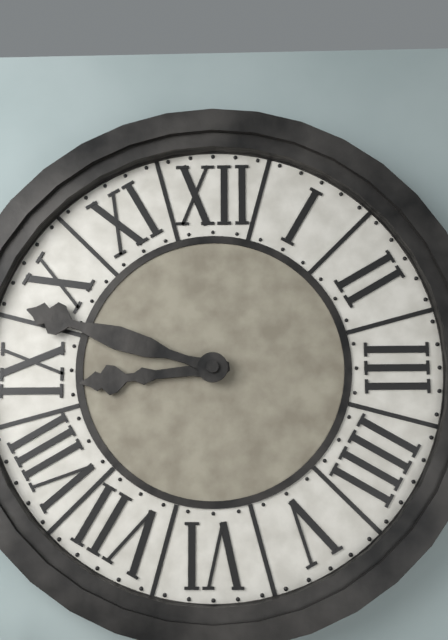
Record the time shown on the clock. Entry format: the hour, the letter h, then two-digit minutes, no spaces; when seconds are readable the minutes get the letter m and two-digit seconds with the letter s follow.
8h48
